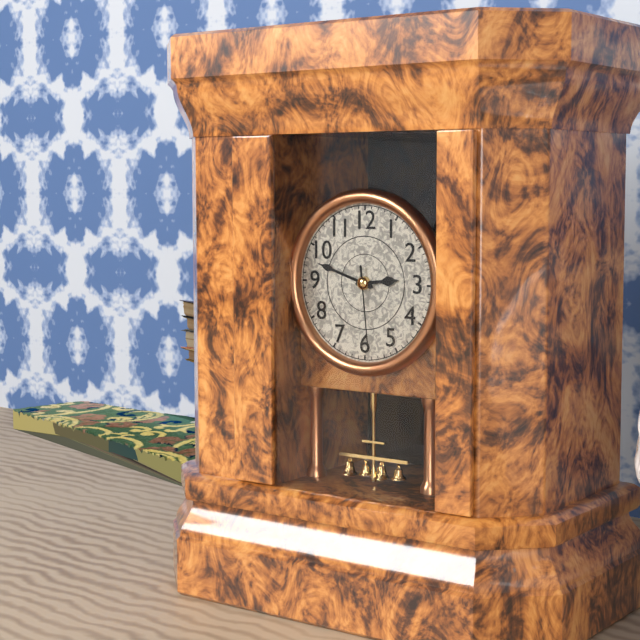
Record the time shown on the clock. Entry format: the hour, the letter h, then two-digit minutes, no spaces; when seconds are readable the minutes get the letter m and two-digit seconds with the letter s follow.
2h48m29s
